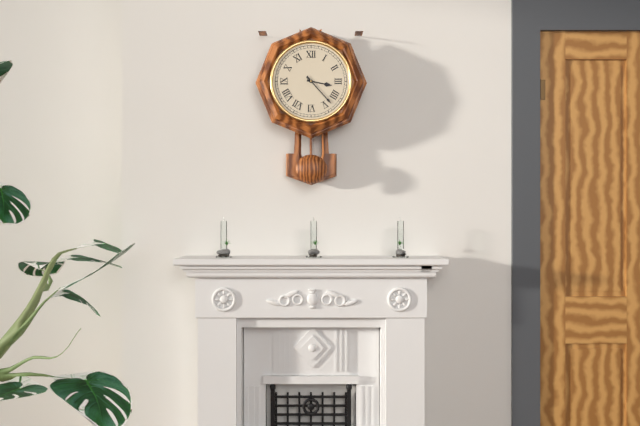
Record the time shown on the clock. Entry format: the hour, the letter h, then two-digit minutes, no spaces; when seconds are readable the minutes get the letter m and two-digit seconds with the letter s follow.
3h23
